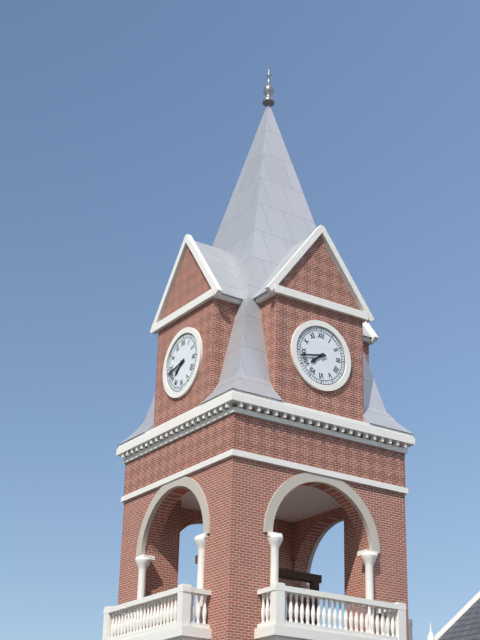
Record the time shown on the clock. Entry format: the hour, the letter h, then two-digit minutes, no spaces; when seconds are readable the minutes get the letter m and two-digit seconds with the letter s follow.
7h43
